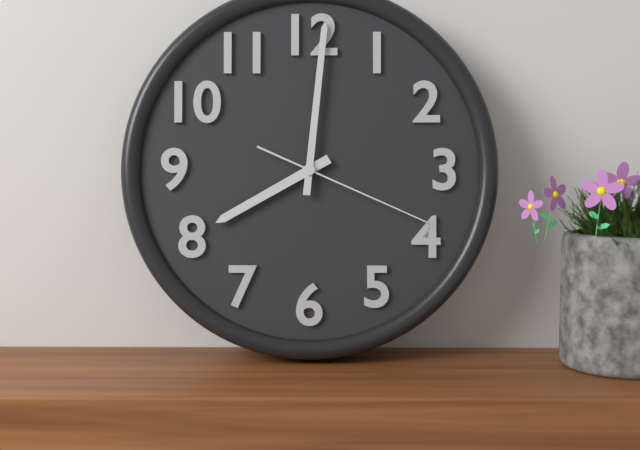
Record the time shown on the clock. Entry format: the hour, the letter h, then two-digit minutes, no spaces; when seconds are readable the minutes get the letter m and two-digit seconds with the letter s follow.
8h01m19s
